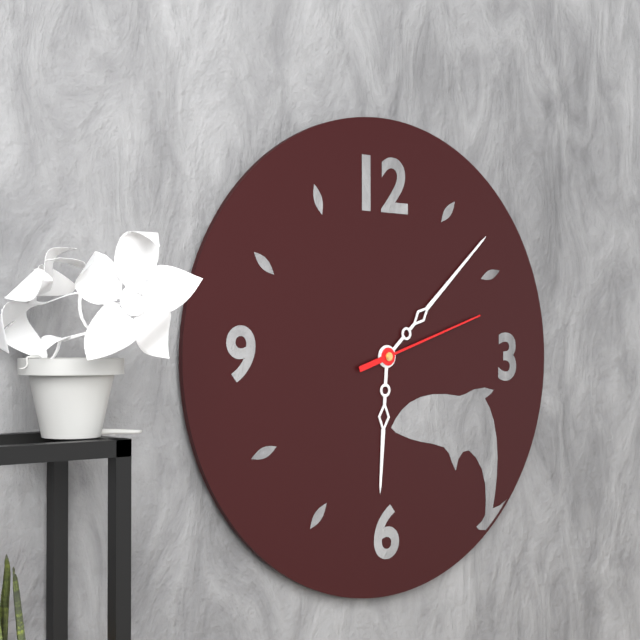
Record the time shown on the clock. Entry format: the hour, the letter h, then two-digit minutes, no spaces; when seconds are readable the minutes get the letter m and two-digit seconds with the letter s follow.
6h08m12s
